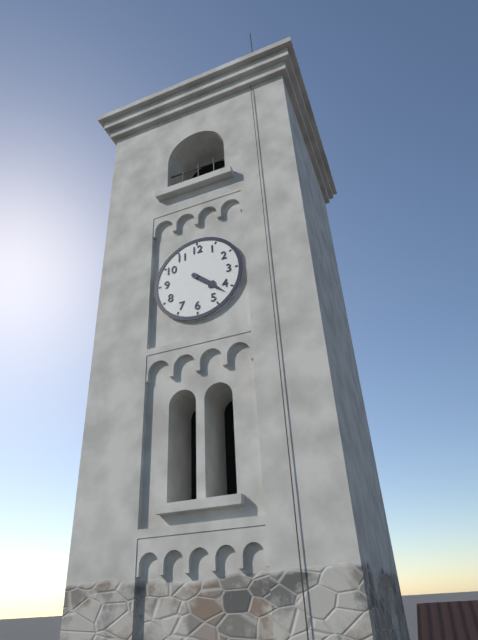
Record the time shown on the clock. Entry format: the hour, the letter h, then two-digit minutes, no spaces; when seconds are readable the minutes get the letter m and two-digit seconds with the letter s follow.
4h22
